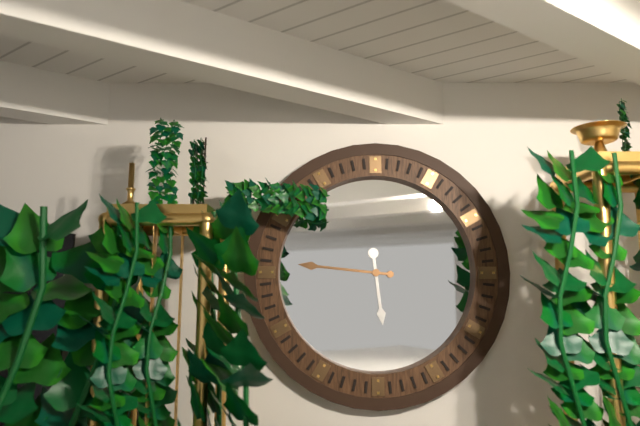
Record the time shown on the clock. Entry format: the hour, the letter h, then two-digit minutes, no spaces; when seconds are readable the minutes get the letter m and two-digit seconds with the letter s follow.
5h46
